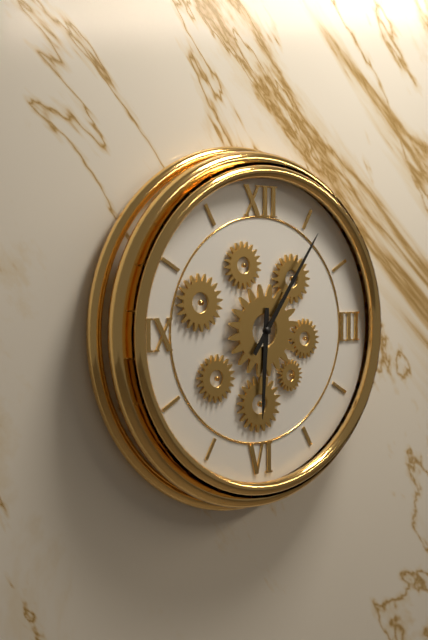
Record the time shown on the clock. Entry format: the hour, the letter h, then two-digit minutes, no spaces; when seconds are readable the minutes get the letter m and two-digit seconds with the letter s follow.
6h06
